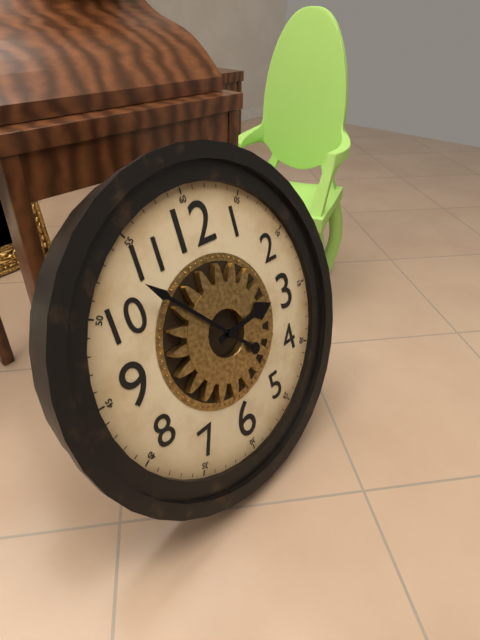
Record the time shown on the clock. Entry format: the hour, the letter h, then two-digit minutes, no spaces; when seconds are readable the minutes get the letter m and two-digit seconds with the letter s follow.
2h53
